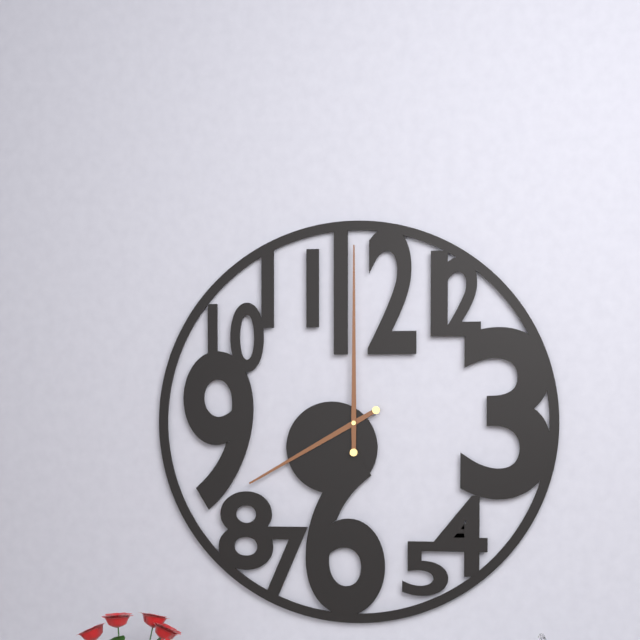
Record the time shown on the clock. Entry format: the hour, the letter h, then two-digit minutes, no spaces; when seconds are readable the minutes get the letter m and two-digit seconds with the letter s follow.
8h00
